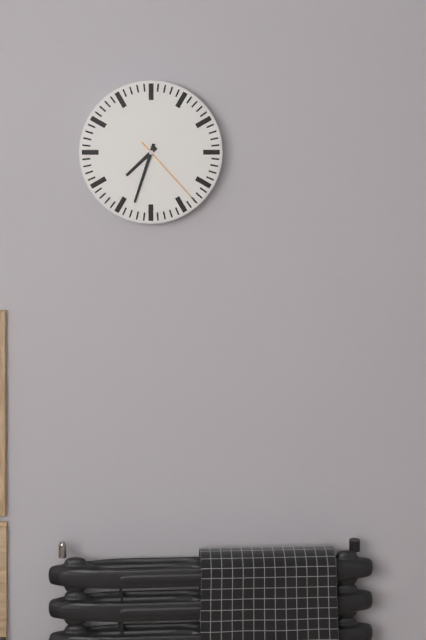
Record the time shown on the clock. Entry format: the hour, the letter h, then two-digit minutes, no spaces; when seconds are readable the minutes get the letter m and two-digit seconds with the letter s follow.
7h33m23s
